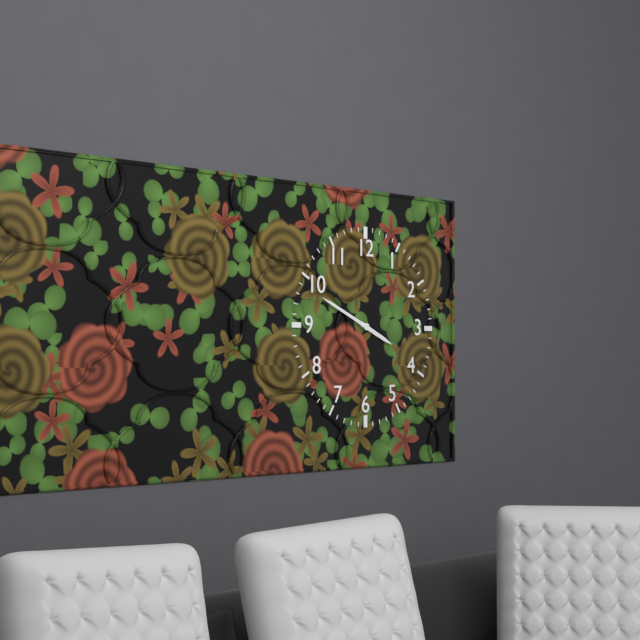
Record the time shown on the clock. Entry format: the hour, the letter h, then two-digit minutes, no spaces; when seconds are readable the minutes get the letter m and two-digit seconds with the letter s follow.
3h49
